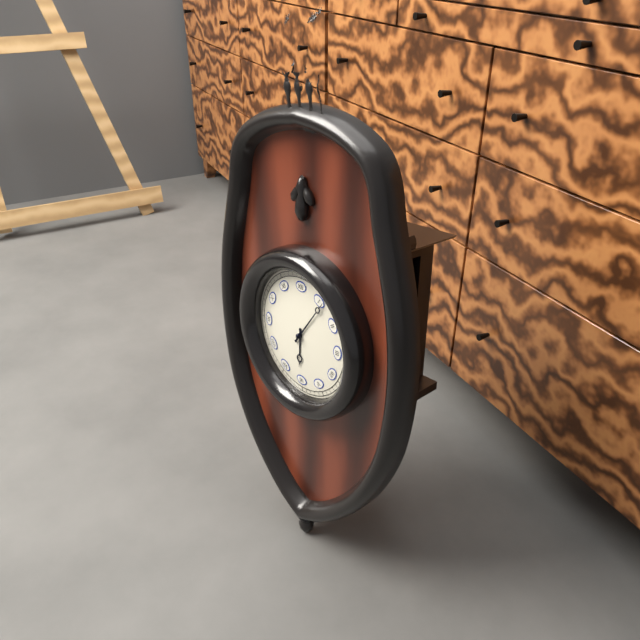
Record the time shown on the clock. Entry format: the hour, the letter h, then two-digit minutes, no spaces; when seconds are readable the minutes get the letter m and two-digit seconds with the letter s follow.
6h06
